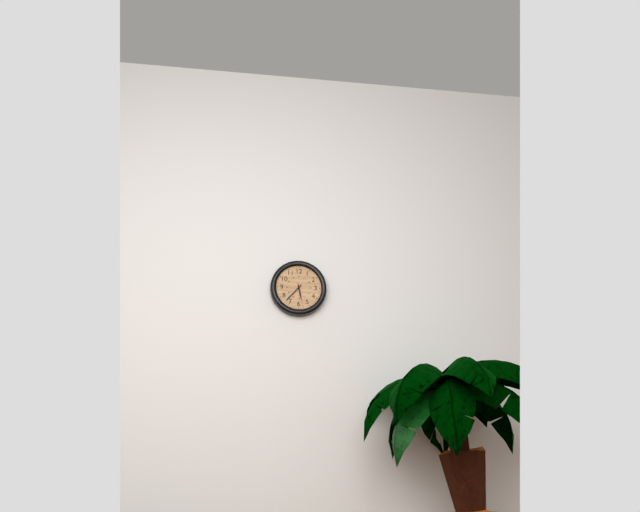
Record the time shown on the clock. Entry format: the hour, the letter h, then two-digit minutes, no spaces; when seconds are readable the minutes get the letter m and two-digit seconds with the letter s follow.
5h37
